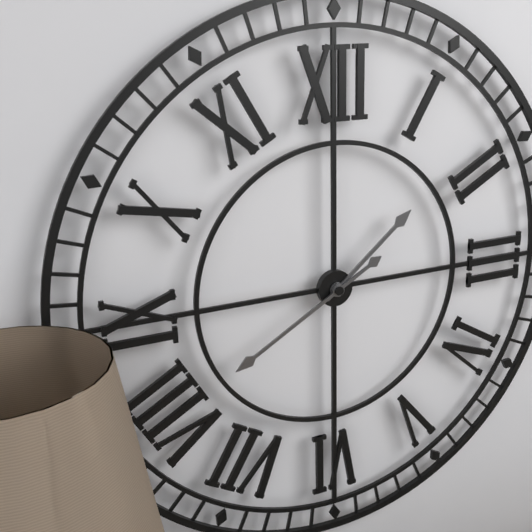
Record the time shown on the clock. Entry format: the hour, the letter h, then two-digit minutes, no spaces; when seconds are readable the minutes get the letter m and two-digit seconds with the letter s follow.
1h40
